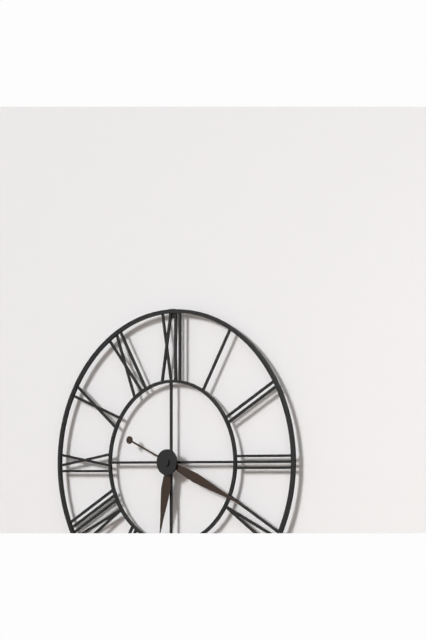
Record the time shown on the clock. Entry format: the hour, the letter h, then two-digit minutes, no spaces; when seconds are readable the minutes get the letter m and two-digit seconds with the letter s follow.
6h19
